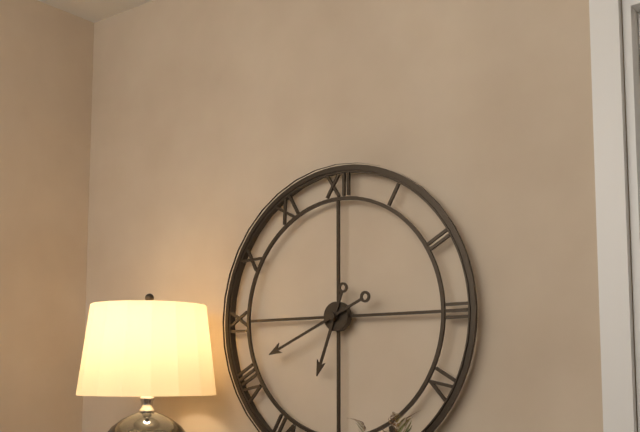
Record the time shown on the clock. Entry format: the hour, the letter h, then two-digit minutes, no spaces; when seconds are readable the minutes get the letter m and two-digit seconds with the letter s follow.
6h41
